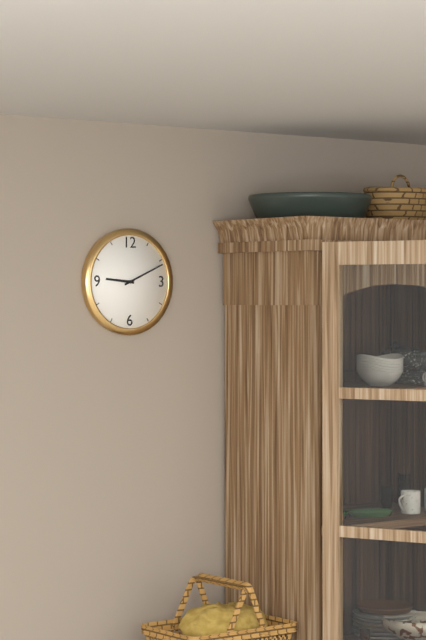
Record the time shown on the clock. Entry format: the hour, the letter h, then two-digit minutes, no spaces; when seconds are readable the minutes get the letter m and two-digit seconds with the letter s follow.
9h11
